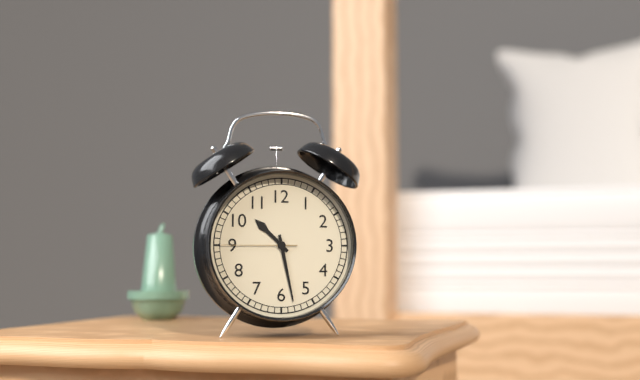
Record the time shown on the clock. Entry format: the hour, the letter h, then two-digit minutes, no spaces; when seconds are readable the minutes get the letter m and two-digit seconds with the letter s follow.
10h28m45s
